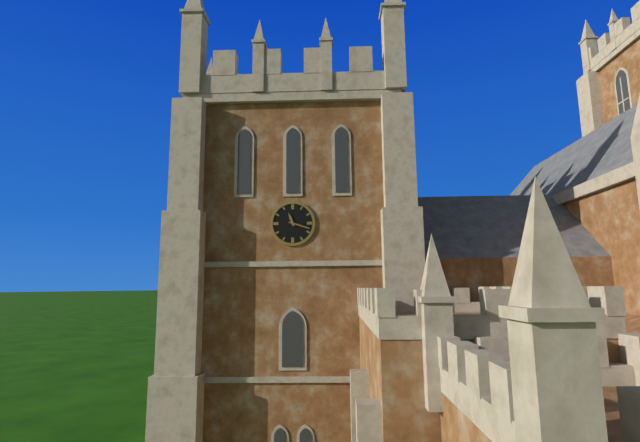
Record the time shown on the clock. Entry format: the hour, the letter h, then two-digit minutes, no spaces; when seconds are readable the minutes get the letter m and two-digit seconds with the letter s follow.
11h18
